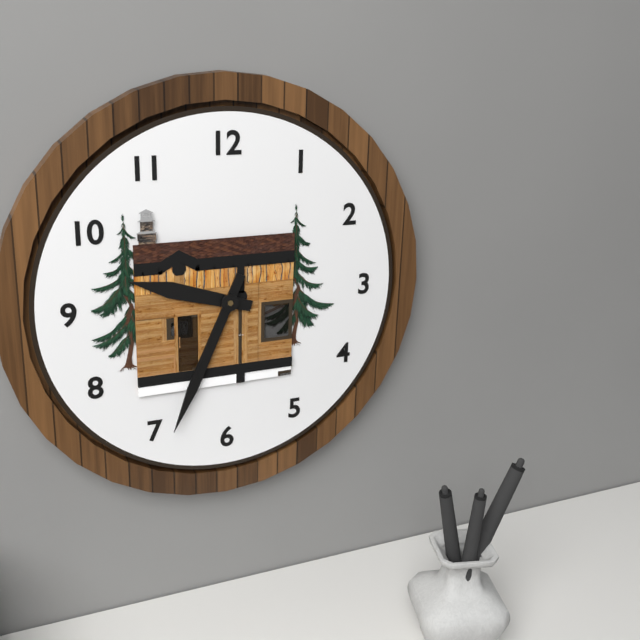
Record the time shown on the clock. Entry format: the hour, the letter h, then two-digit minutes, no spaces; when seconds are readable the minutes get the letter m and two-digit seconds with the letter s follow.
9h34
